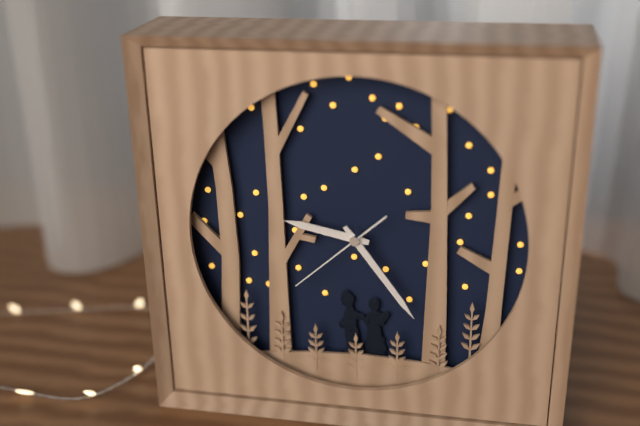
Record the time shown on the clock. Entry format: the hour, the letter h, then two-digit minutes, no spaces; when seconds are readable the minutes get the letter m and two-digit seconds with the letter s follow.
9h24m38s
